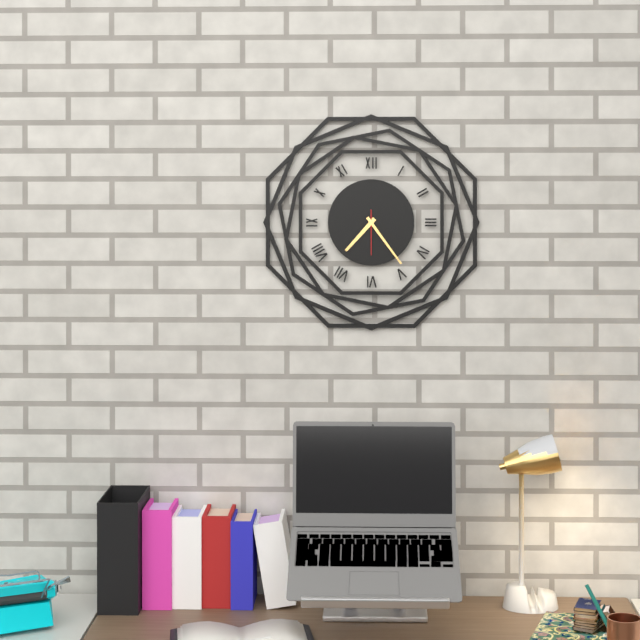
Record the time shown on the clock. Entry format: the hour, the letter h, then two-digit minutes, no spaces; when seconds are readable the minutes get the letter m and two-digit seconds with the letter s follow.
7h24
